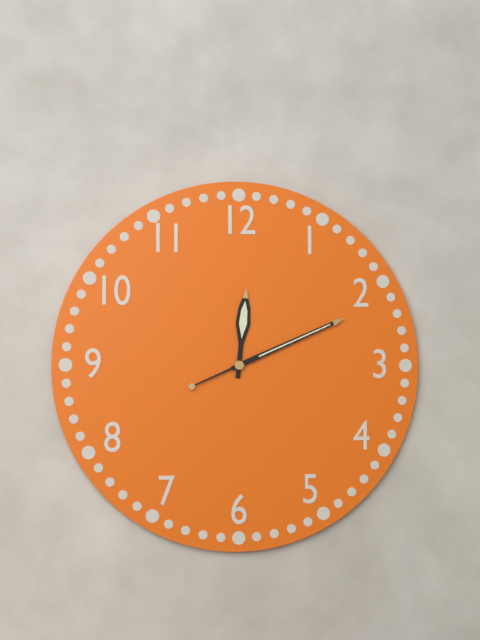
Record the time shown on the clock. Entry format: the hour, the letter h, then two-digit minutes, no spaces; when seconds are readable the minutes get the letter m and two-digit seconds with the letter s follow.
12h11
